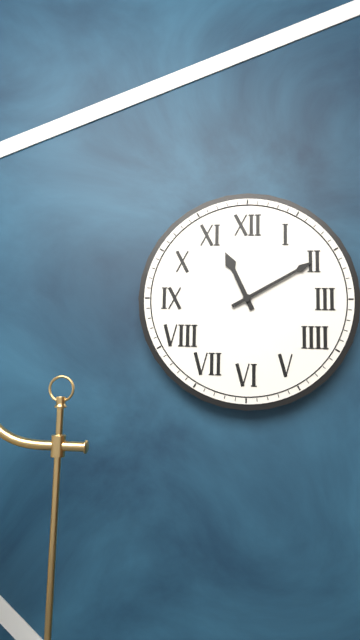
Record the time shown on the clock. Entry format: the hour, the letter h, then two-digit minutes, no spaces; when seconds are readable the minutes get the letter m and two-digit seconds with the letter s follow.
11h10
